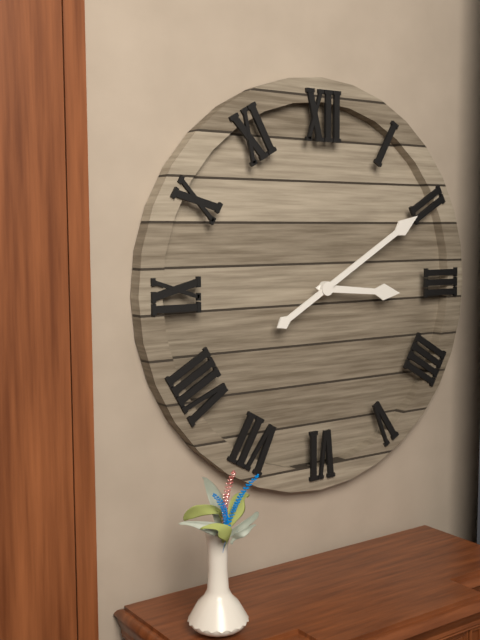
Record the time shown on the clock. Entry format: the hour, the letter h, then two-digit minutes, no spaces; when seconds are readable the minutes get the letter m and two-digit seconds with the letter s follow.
3h10
